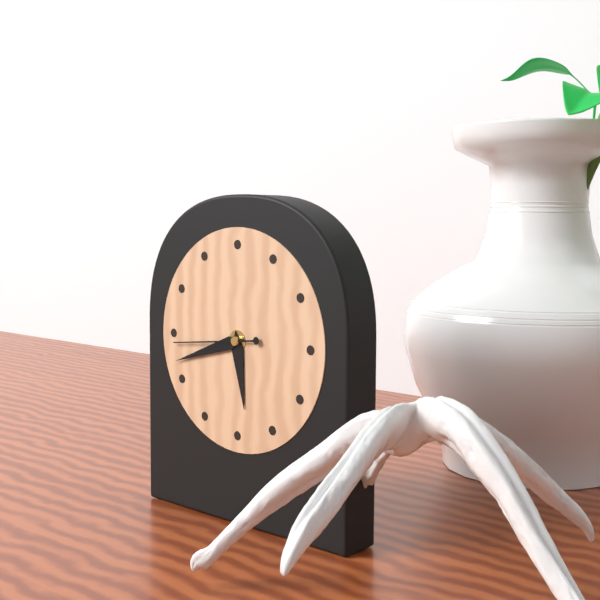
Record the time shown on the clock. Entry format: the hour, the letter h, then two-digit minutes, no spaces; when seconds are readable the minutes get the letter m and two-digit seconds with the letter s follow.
5h42m44s
